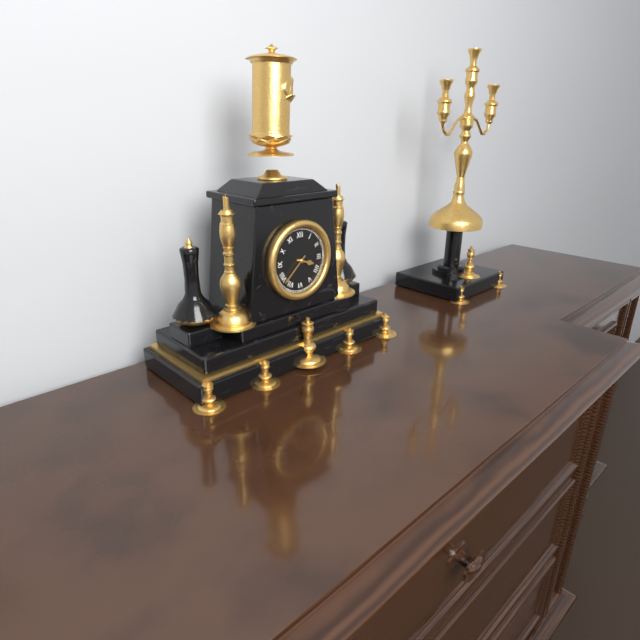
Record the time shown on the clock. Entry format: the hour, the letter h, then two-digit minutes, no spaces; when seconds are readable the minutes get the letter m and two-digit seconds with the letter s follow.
3h38
